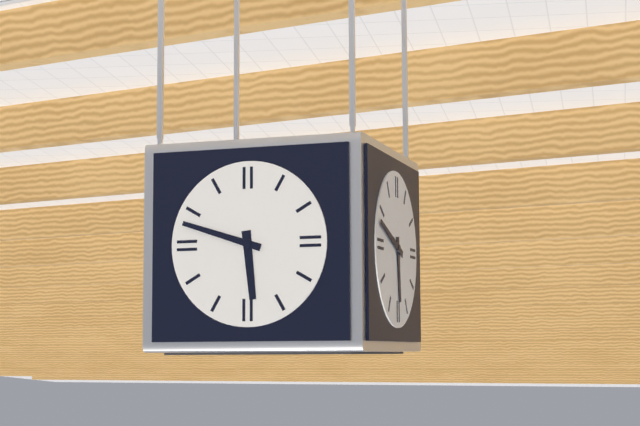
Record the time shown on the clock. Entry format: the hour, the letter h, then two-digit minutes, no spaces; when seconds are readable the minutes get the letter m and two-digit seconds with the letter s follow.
5h48
